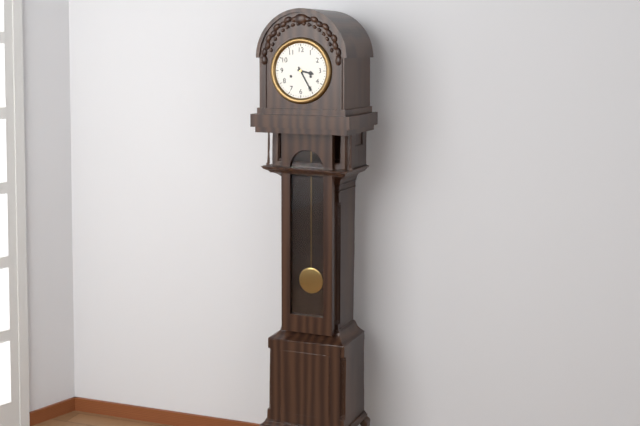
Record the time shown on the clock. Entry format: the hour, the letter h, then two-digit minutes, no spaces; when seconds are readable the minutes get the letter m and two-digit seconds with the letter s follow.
3h25
